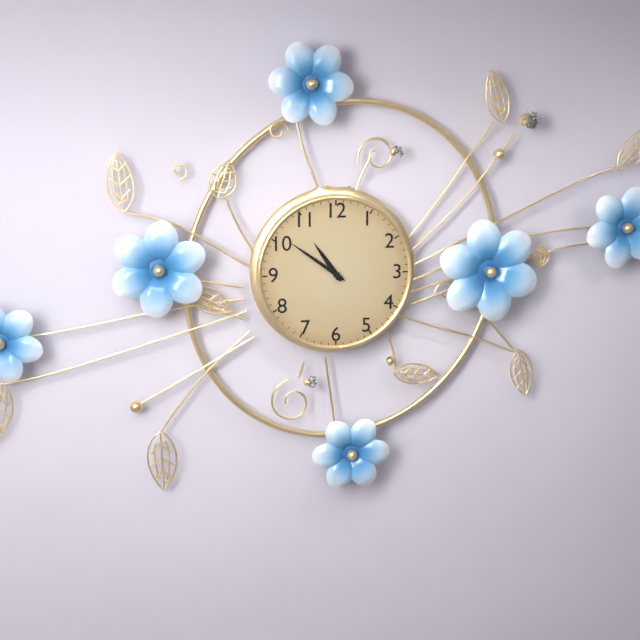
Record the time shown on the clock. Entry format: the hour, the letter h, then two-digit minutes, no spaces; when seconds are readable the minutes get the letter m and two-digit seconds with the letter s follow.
10h51
